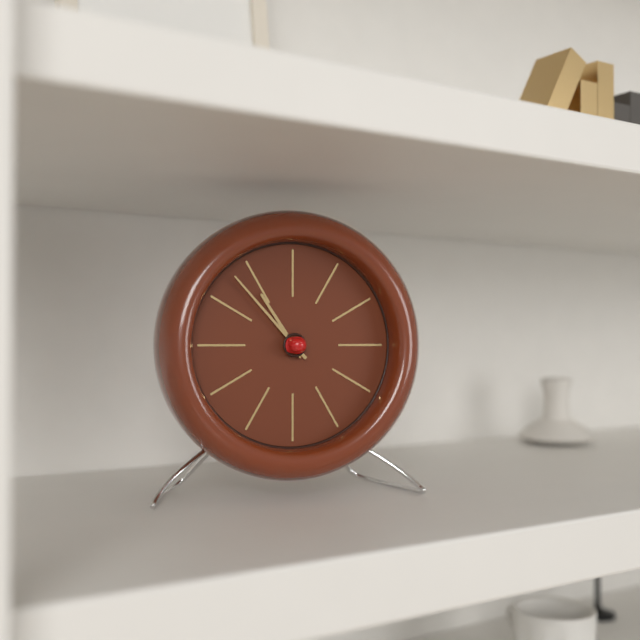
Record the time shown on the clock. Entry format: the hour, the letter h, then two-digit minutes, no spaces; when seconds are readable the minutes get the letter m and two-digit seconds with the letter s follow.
10h53
